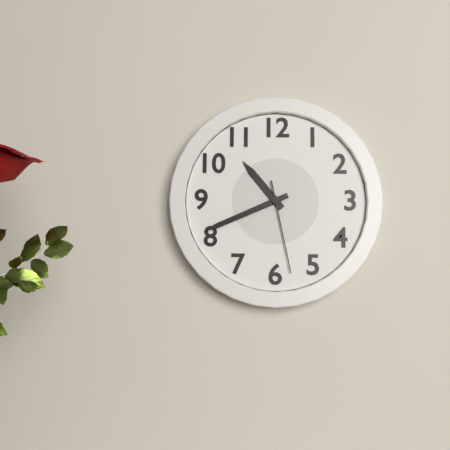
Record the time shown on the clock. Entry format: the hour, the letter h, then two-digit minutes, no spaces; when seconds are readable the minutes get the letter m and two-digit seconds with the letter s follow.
10h41m28s
